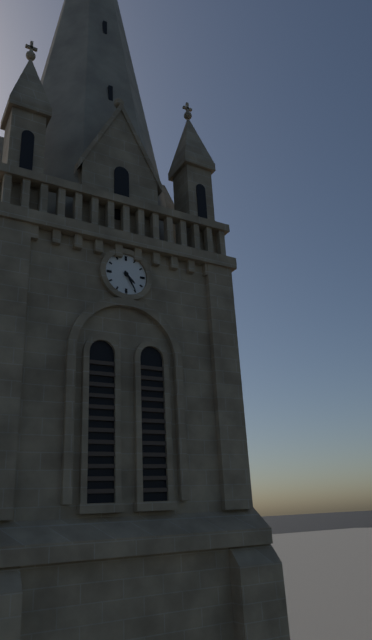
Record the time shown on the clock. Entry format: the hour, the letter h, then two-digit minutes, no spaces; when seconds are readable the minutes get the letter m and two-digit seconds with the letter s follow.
4h25
